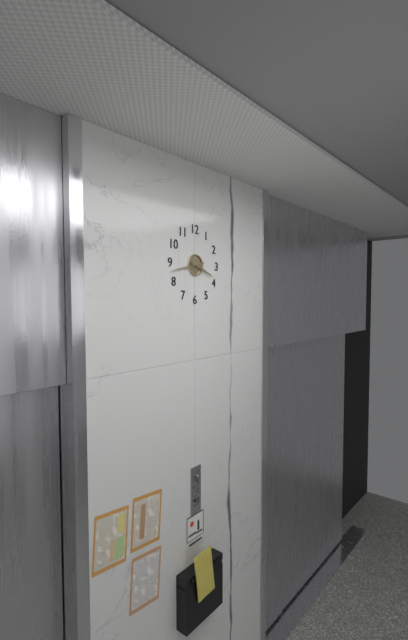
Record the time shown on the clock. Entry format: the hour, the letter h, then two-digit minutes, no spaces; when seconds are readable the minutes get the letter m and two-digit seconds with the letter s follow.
3h43
